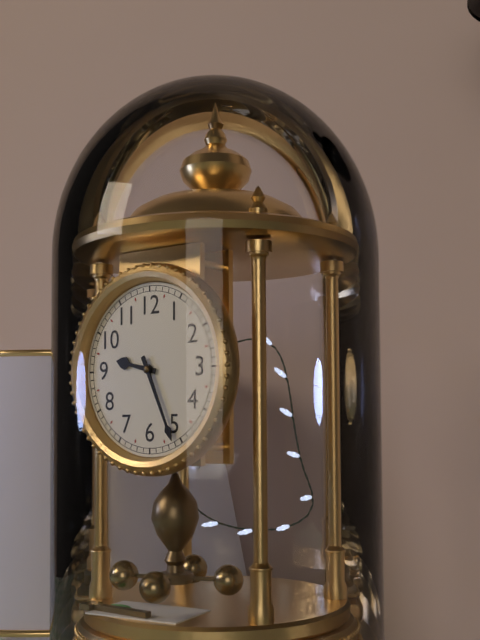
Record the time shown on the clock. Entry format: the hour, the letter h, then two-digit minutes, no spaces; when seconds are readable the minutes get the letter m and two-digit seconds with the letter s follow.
9h26
